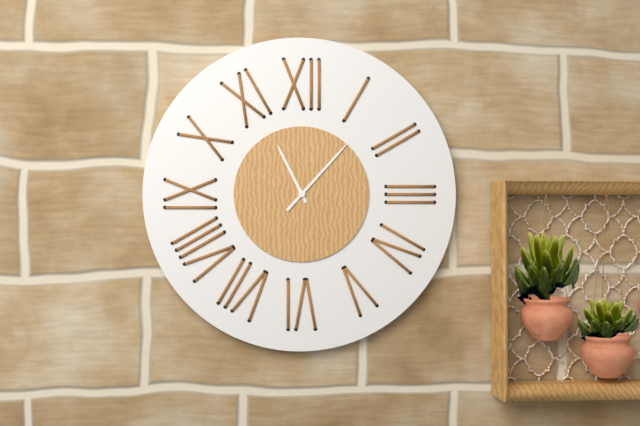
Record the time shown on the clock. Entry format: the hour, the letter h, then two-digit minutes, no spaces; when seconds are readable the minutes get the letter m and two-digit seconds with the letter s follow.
11h07
